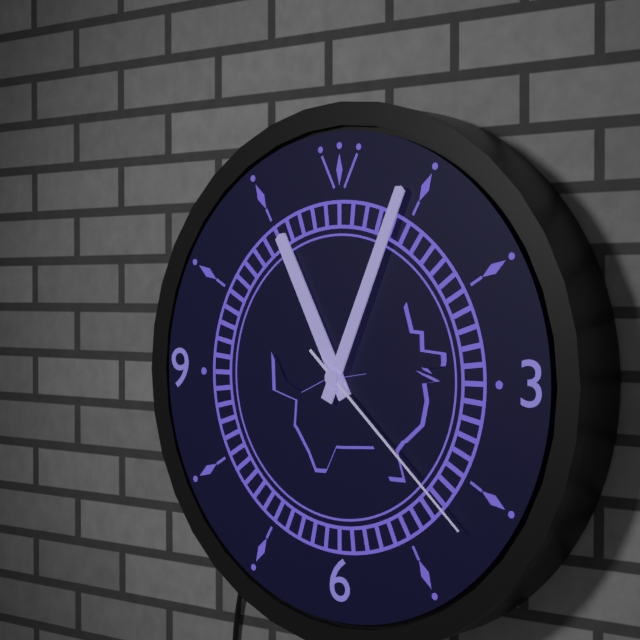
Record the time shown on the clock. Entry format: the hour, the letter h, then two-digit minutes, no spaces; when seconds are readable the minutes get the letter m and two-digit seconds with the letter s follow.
11h04m22s
